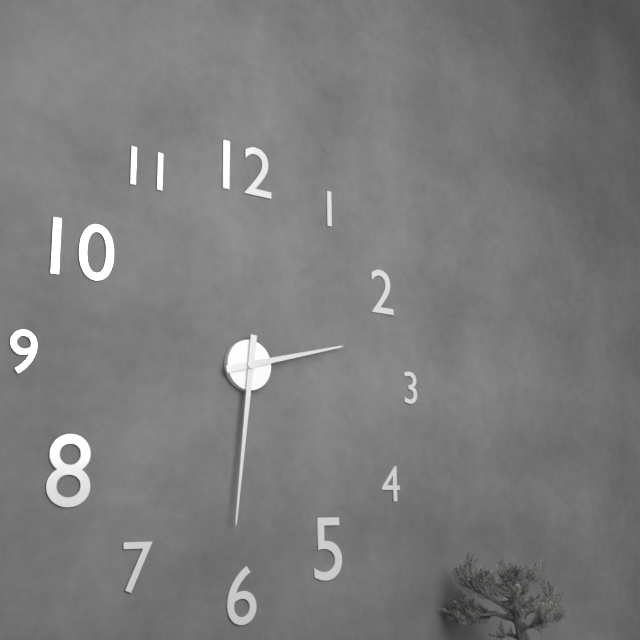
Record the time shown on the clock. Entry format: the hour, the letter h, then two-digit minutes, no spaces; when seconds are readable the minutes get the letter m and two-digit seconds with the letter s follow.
2h31
